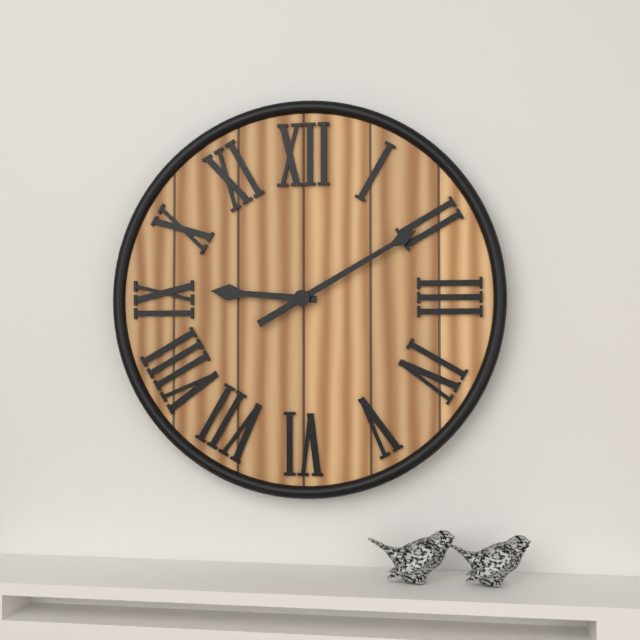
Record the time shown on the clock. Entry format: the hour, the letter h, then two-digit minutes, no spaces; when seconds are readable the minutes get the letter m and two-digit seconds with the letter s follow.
9h10
